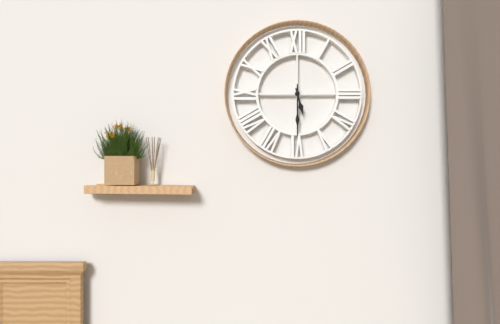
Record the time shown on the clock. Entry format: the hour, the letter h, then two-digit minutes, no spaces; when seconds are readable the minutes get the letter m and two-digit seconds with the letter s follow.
5h30
